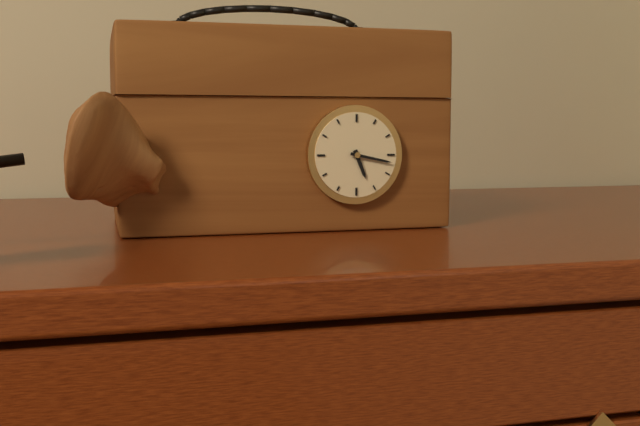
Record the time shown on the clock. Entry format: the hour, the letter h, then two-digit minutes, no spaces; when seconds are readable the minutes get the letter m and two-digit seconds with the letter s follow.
5h17
